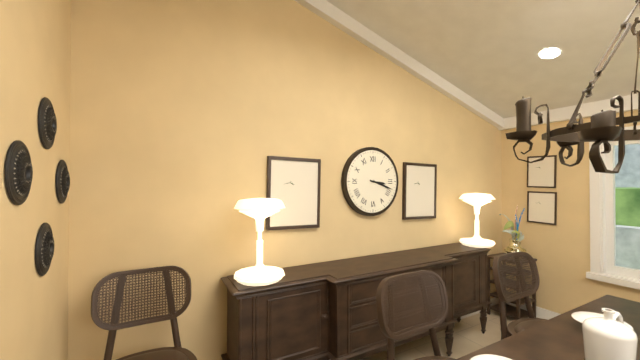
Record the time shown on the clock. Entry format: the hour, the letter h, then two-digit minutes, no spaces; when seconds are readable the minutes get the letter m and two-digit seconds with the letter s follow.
3h18
